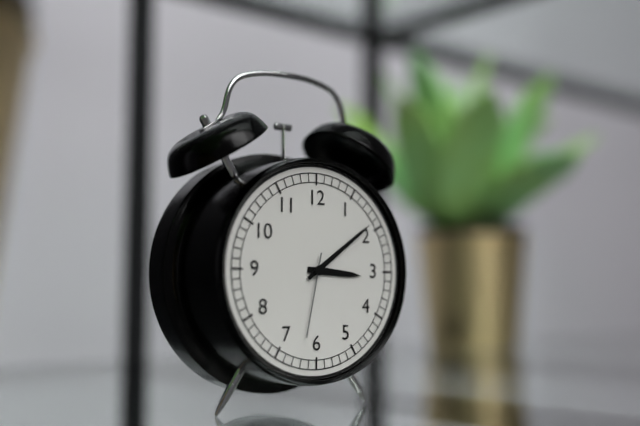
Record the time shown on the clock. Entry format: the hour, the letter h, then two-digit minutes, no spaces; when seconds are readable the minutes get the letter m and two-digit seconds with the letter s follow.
3h09m32s
